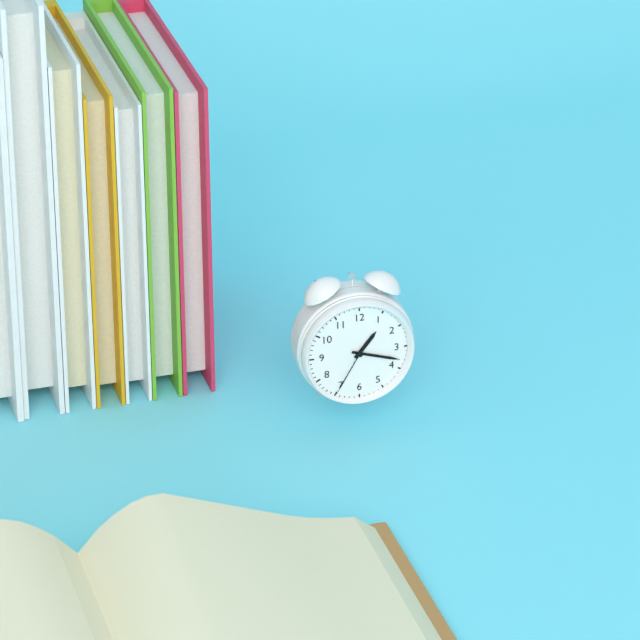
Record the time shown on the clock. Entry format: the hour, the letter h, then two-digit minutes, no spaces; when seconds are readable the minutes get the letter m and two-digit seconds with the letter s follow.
1h18m35s
